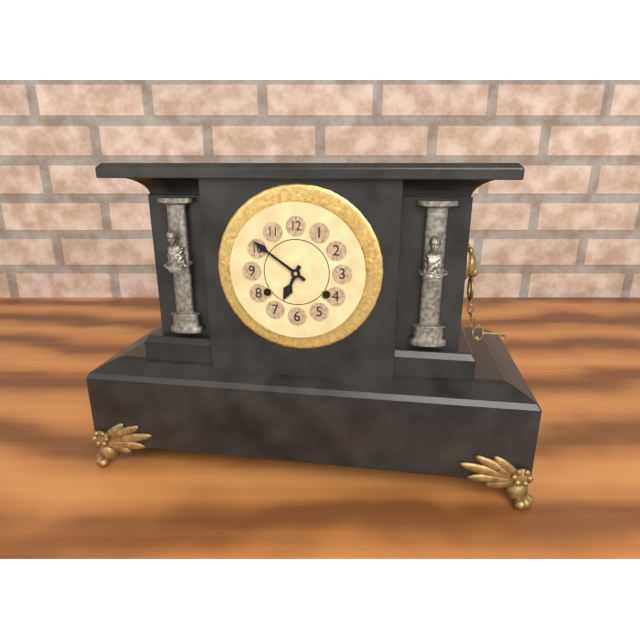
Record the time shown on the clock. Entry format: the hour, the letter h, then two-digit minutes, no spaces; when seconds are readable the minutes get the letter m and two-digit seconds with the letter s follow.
6h51
